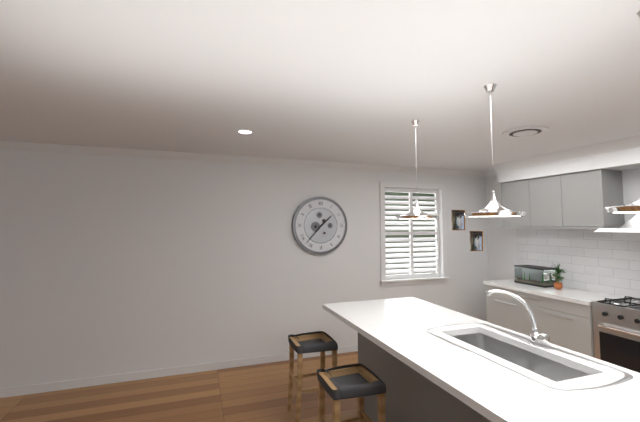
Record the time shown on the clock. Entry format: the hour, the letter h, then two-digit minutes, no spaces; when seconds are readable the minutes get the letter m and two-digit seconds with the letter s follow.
1h37
